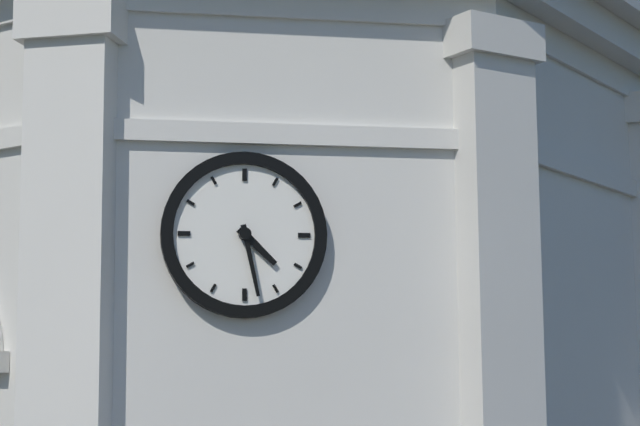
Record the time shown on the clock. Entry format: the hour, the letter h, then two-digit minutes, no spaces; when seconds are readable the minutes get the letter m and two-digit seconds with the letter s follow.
4h28
